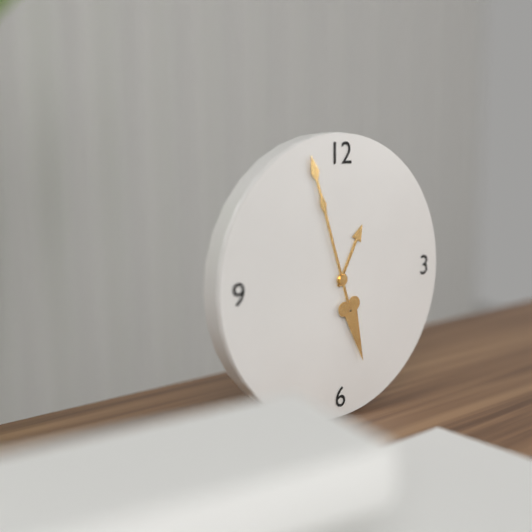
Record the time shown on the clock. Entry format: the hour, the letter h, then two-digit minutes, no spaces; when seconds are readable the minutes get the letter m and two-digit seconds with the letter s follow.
12h57
